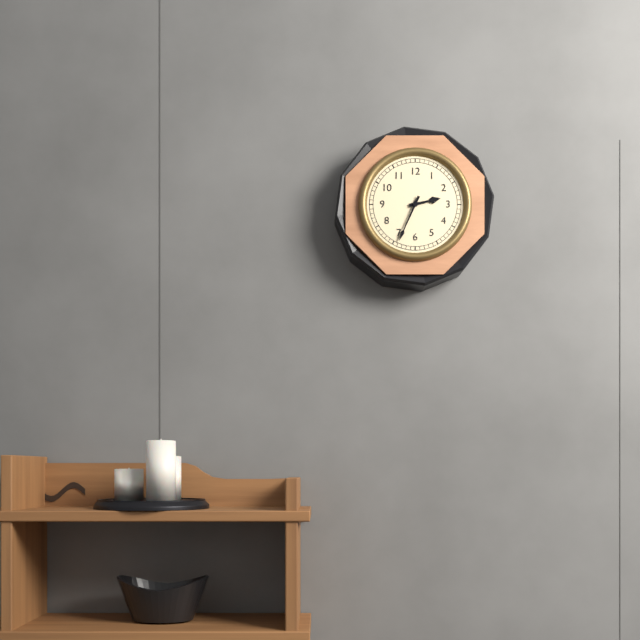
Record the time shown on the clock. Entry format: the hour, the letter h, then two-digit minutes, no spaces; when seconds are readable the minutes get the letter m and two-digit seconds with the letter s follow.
2h34
